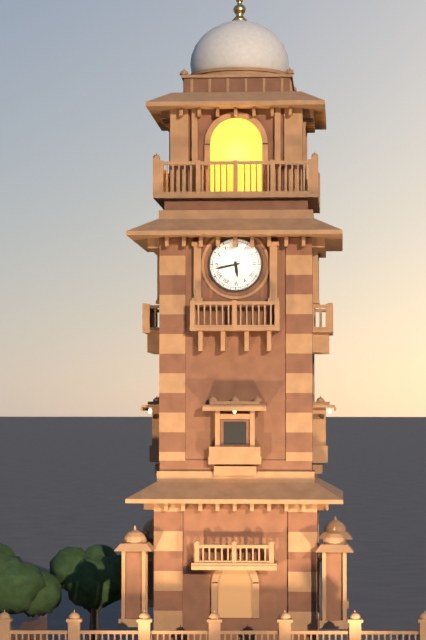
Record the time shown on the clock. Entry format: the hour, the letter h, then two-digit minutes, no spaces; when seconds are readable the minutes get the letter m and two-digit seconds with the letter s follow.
5h43
